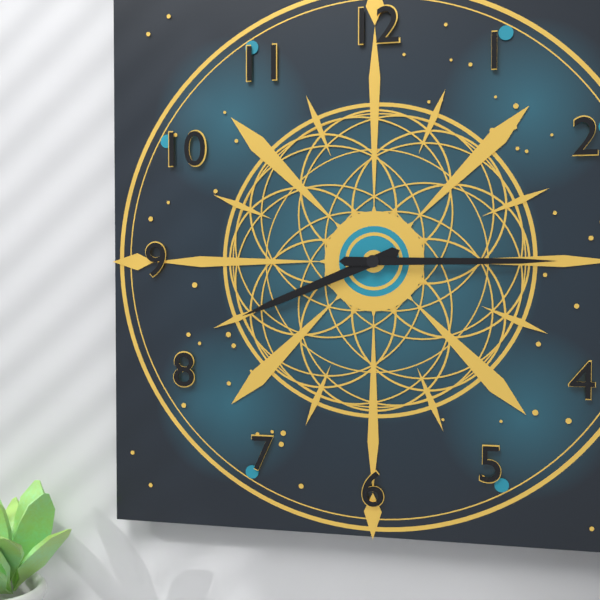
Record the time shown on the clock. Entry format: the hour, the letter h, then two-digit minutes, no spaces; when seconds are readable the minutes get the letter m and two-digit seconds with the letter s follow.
8h15
